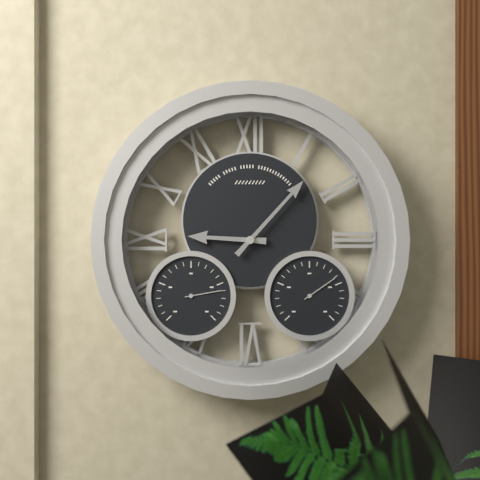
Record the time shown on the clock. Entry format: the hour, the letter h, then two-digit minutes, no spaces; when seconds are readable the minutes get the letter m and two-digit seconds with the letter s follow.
9h07
